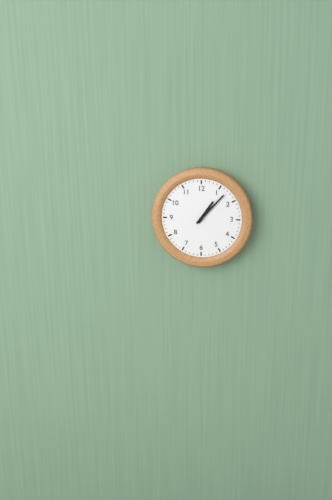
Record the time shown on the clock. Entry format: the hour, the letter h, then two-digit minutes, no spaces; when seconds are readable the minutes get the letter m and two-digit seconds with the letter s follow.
1h07
